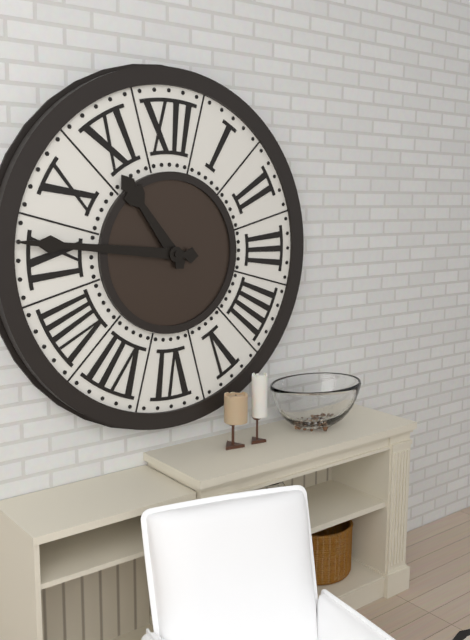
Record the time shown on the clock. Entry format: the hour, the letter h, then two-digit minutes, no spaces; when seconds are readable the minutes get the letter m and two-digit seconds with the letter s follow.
10h46
